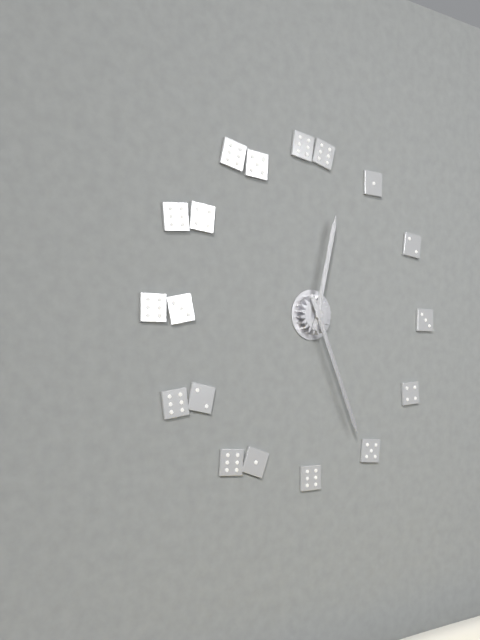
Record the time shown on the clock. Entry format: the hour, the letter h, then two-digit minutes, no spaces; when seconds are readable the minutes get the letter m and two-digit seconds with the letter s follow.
12h26
